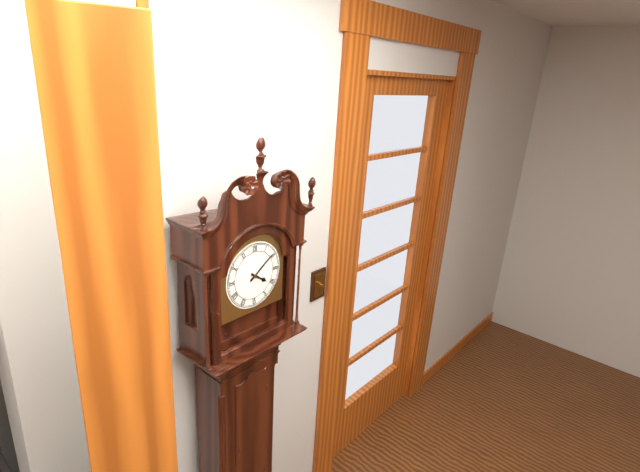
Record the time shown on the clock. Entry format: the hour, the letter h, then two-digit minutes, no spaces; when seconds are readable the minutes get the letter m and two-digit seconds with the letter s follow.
4h09
